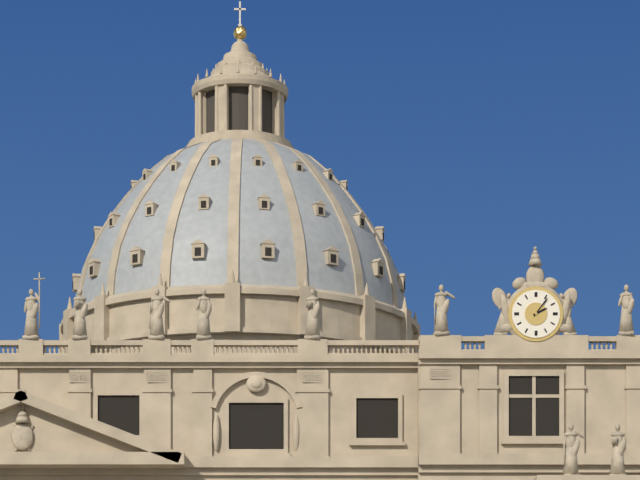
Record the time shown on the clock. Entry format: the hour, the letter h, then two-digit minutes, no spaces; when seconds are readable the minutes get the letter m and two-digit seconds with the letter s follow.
2h06
